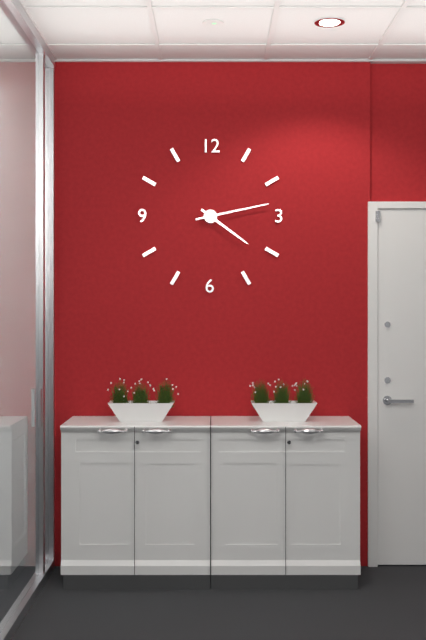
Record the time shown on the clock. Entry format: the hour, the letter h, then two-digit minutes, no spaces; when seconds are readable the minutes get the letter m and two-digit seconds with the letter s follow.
4h13
